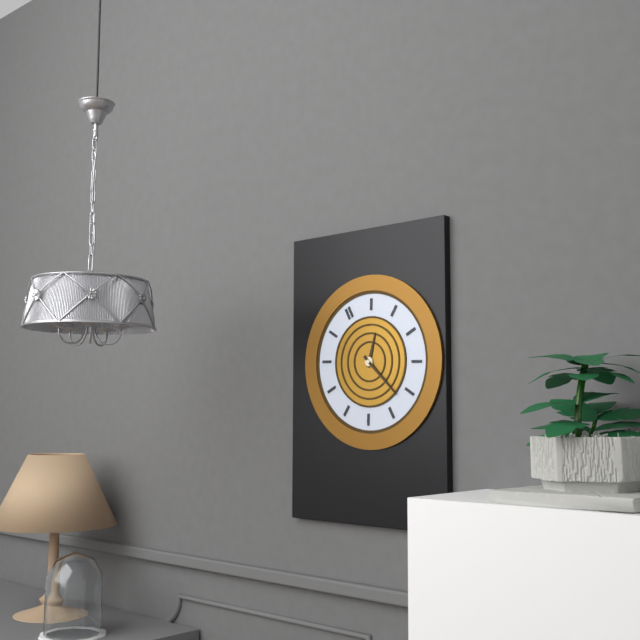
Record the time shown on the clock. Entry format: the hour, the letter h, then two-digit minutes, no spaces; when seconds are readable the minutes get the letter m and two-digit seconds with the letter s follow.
1h27
